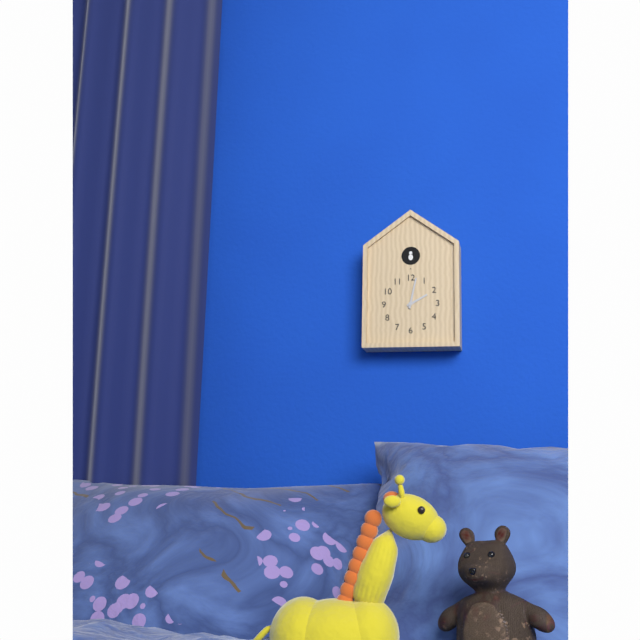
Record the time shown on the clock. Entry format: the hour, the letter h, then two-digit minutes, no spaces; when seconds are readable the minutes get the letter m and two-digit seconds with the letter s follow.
2h02
